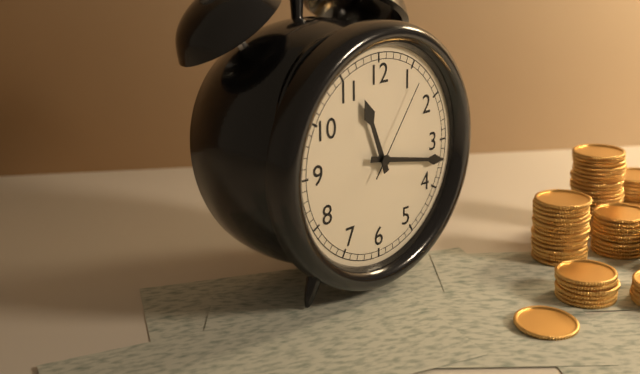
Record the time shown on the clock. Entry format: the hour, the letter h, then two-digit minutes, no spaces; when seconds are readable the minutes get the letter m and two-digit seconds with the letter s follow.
11h17m06s
